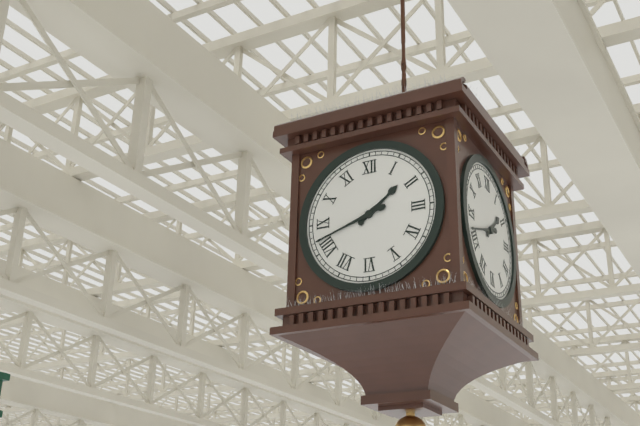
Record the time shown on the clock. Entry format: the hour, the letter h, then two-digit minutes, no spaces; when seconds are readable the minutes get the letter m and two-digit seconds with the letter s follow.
1h42
